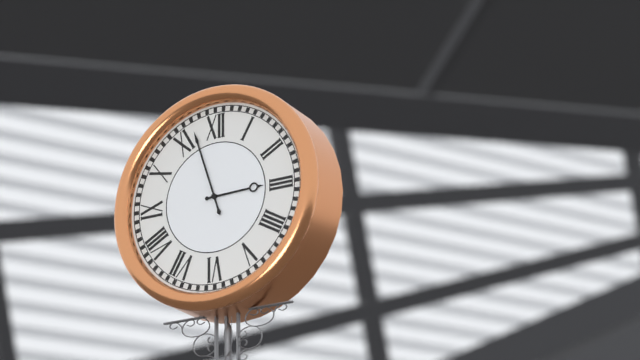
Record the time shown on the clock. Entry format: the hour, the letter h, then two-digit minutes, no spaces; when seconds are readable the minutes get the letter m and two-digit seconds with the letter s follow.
2h57
